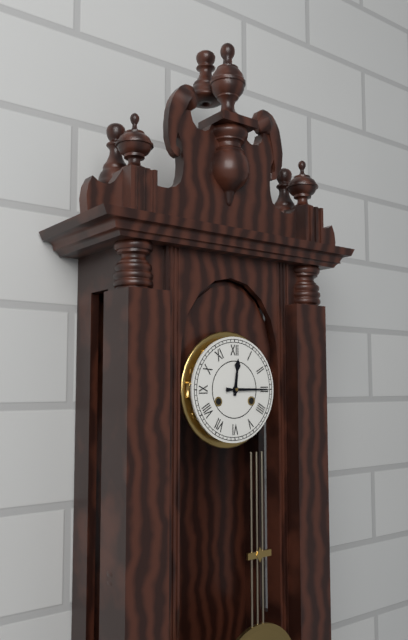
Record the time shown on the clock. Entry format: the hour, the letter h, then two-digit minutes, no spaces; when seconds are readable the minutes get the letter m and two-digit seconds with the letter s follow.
12h15
